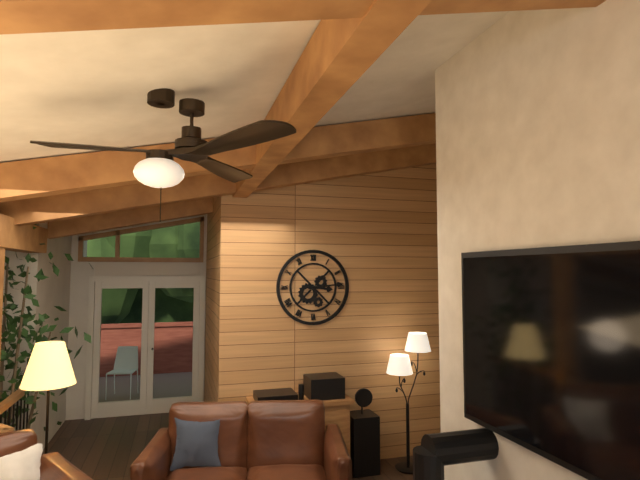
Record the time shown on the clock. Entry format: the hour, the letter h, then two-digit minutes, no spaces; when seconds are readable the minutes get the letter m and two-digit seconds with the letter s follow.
3h14
